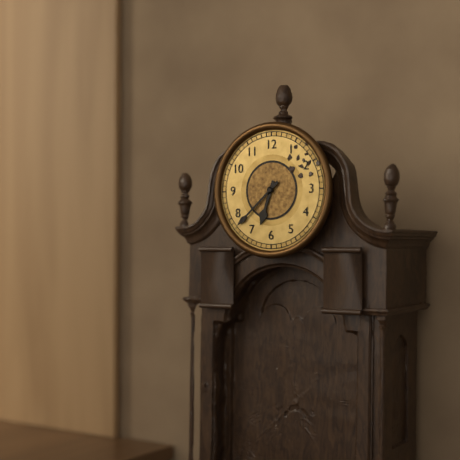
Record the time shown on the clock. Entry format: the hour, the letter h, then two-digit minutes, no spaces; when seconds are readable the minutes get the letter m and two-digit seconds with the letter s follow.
6h38
